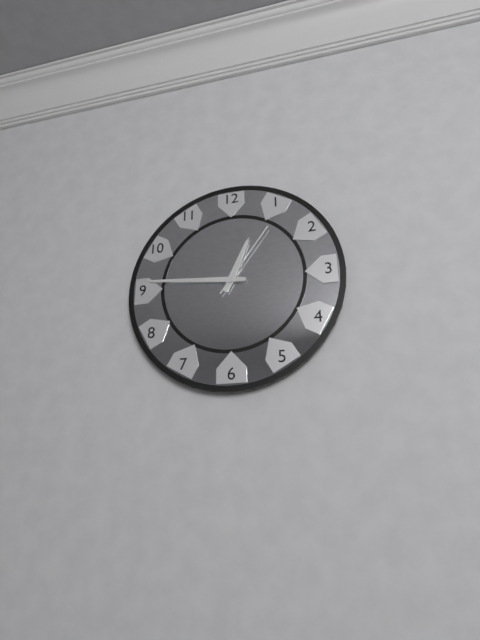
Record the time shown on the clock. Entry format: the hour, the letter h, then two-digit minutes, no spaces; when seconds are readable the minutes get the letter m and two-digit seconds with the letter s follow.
12h46m06s
